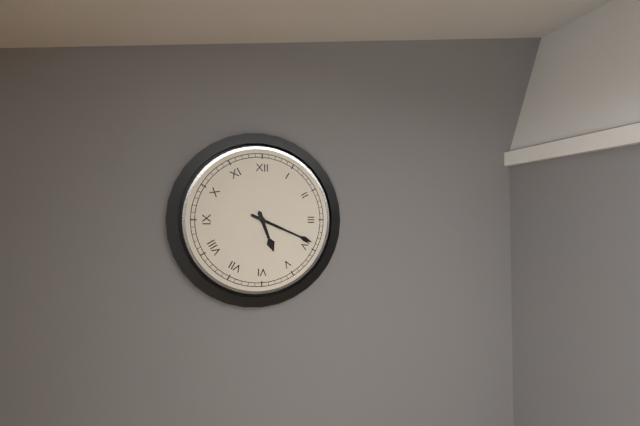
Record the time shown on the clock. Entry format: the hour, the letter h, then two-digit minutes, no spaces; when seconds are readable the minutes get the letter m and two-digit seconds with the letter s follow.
5h19
